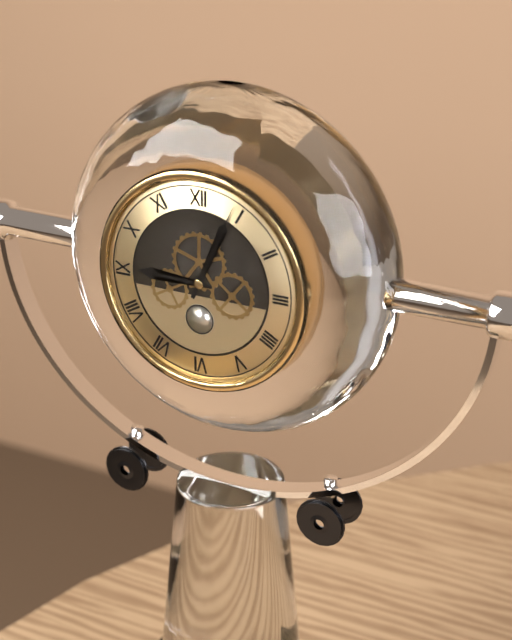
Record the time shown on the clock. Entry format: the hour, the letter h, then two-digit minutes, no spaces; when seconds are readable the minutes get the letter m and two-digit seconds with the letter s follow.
9h04
